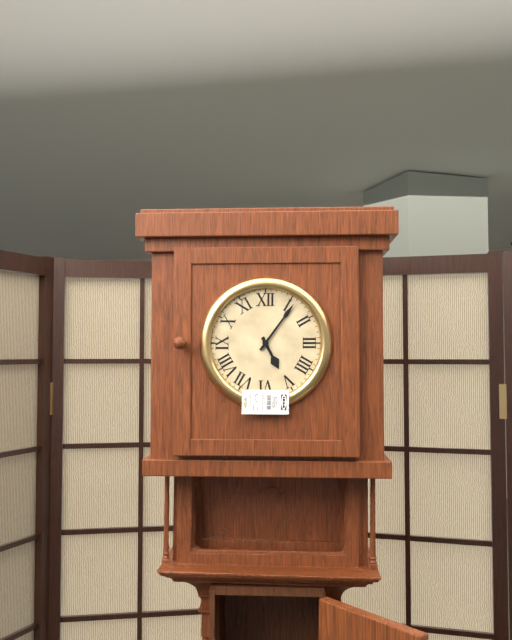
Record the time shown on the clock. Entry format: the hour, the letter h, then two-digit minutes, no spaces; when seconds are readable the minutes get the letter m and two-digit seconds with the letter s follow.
5h06
